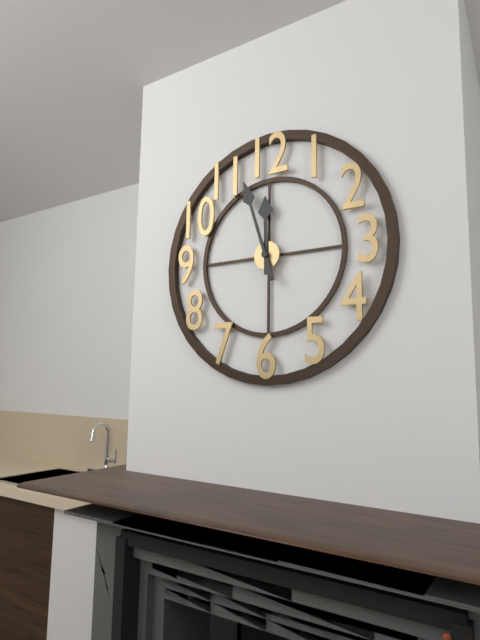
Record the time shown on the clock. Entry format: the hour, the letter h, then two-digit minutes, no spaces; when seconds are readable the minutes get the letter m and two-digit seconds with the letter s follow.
11h57
